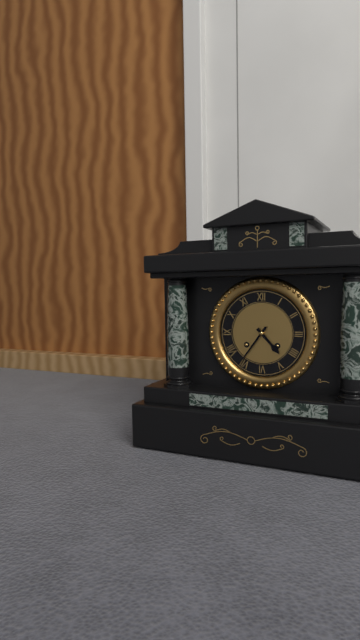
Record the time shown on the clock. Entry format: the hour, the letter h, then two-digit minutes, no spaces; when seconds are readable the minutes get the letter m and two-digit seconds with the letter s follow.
4h36
